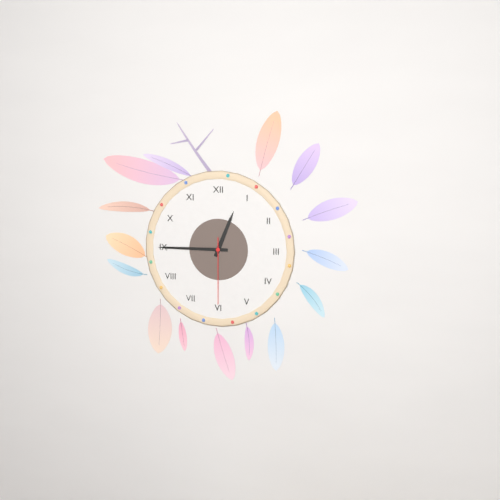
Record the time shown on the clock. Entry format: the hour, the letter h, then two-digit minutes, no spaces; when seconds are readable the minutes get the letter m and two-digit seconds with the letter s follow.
12h45m30s
